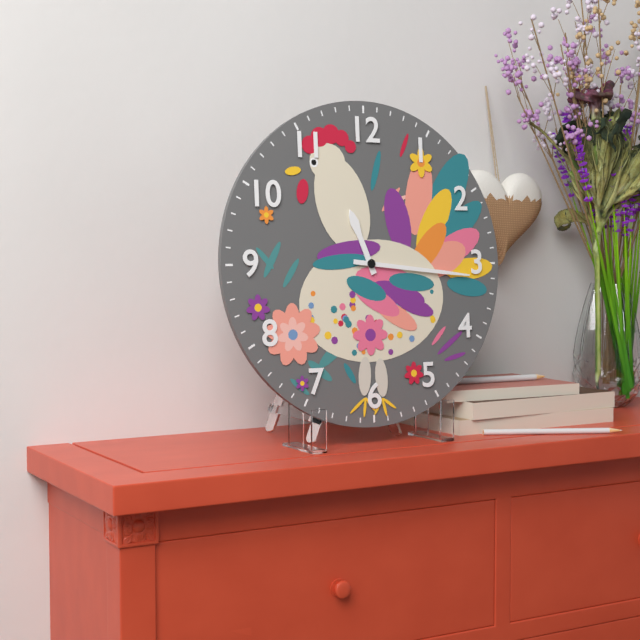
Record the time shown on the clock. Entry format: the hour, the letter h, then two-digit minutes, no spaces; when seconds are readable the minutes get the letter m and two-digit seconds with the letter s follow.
11h16
